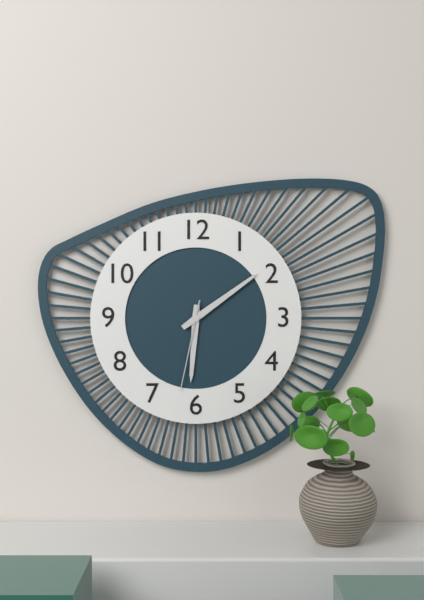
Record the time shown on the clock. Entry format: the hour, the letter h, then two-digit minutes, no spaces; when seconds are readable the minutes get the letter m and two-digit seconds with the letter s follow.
6h09m32s
